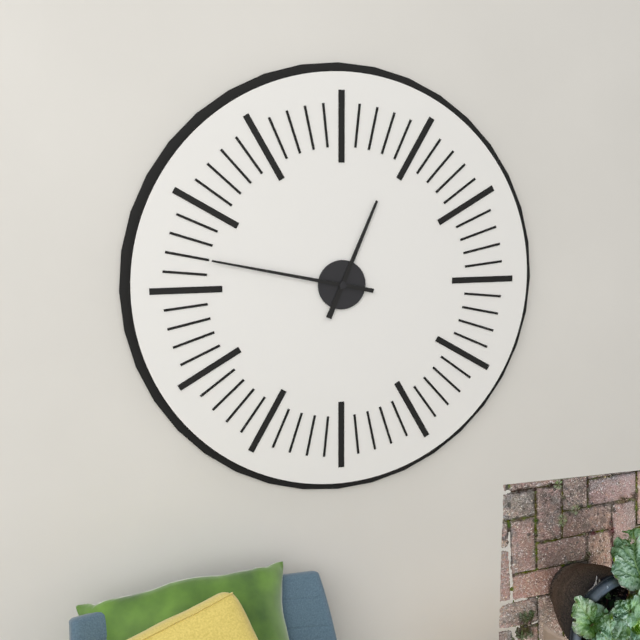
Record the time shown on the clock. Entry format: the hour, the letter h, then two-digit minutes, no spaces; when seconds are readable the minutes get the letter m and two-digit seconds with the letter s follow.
12h47
